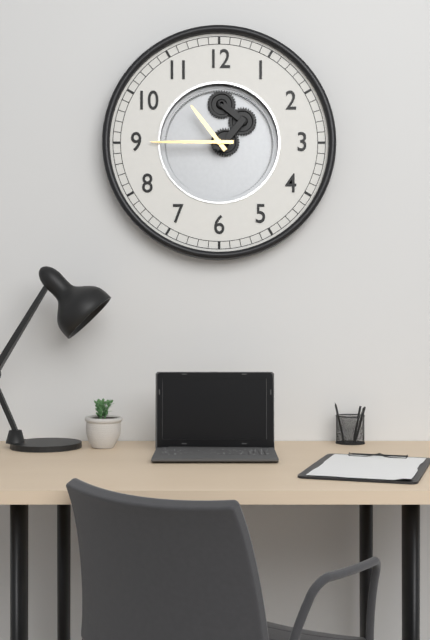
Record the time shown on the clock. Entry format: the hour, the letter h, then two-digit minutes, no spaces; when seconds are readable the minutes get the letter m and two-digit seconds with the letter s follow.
10h45
